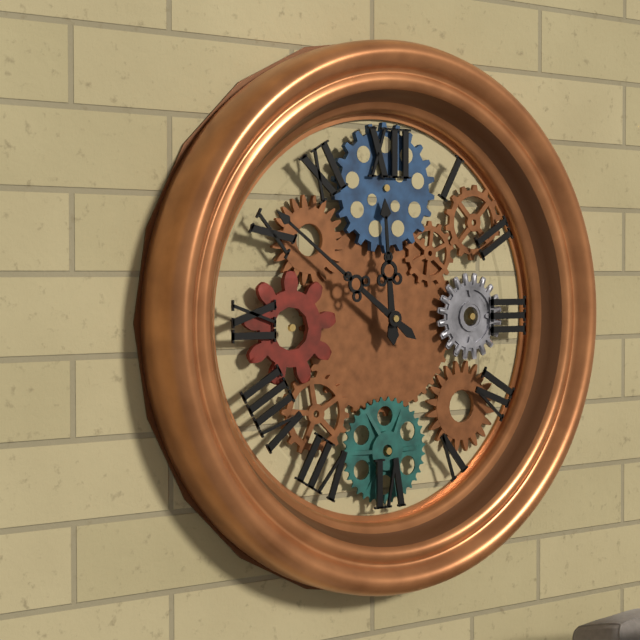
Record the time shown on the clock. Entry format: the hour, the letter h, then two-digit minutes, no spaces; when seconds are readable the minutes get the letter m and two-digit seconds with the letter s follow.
11h51
